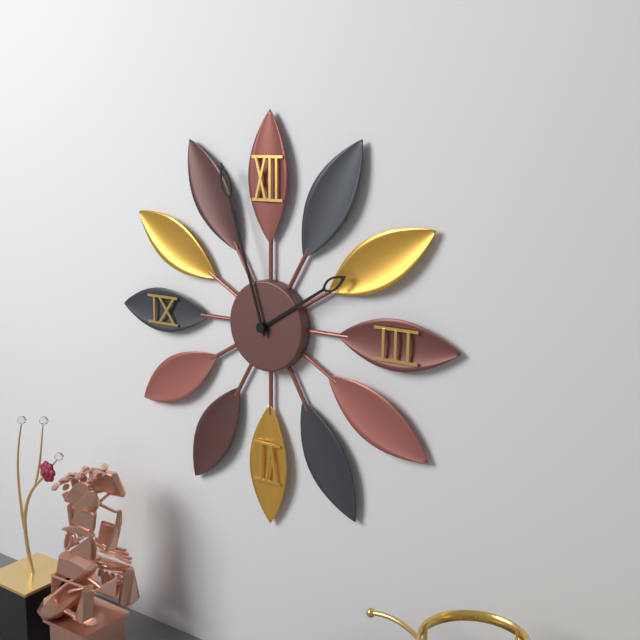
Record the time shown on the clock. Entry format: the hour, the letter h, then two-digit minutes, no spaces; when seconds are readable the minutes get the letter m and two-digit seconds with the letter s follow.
1h57
